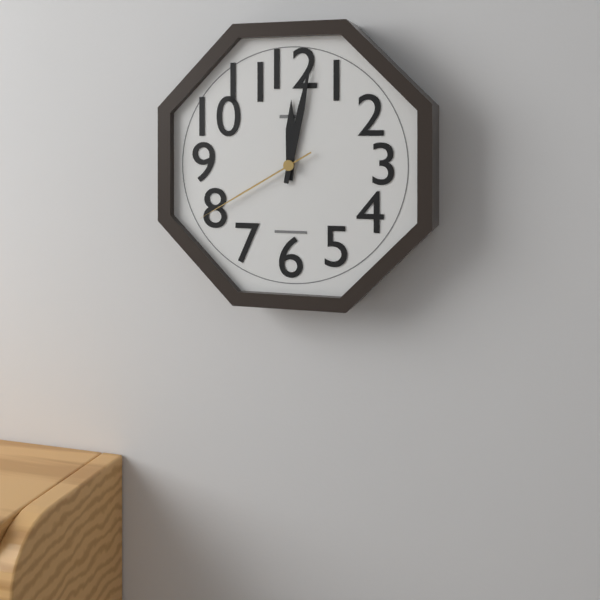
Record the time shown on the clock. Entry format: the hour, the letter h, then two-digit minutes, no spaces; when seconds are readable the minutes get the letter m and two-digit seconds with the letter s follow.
12h02m40s
